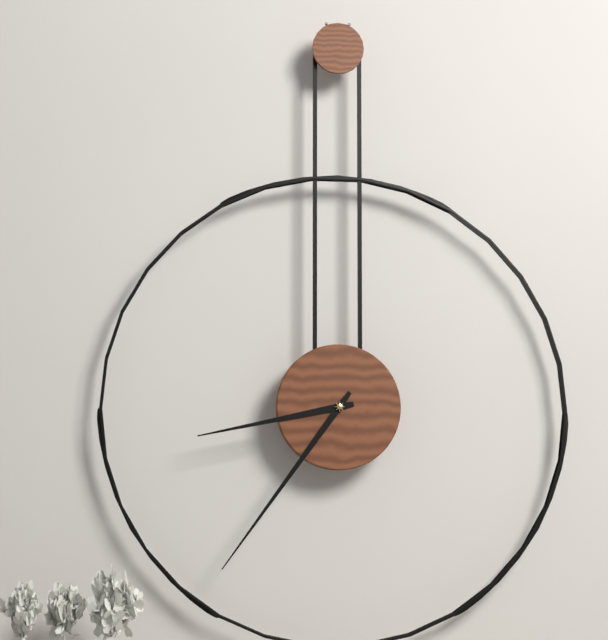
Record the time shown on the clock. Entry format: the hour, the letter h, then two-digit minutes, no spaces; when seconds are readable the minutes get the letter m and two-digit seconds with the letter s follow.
8h36
